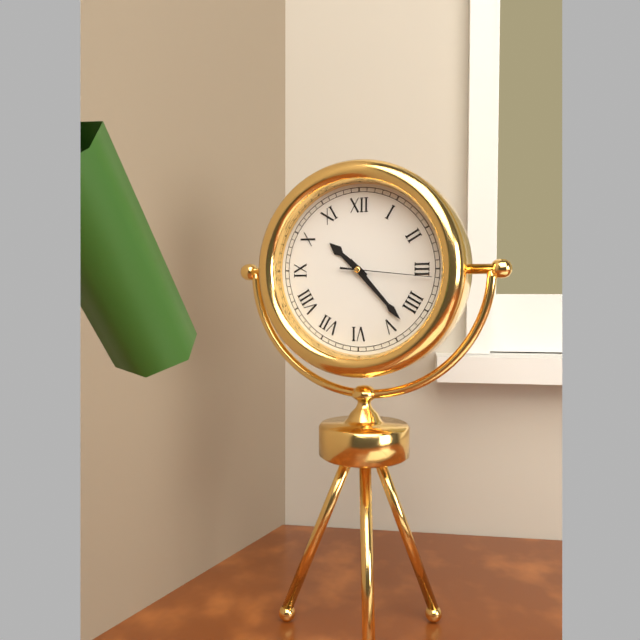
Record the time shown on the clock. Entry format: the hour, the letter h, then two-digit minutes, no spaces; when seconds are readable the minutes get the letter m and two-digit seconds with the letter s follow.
10h23m16s
